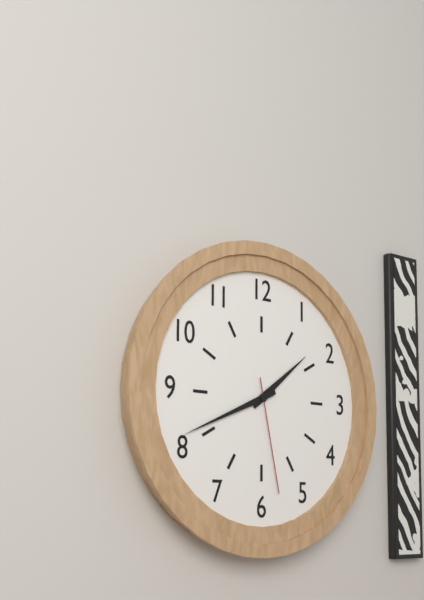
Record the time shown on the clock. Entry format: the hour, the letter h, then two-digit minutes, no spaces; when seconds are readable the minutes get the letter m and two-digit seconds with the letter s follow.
1h41m28s
